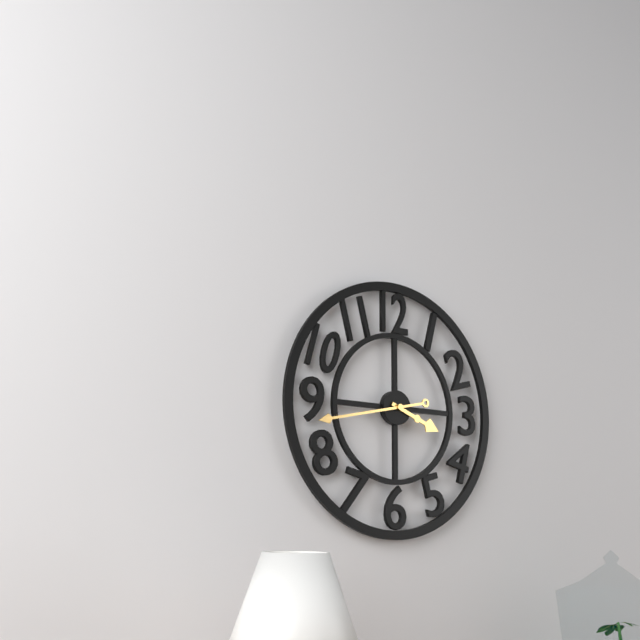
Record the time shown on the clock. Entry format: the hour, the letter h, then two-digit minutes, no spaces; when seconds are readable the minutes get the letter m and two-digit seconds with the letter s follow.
3h43
